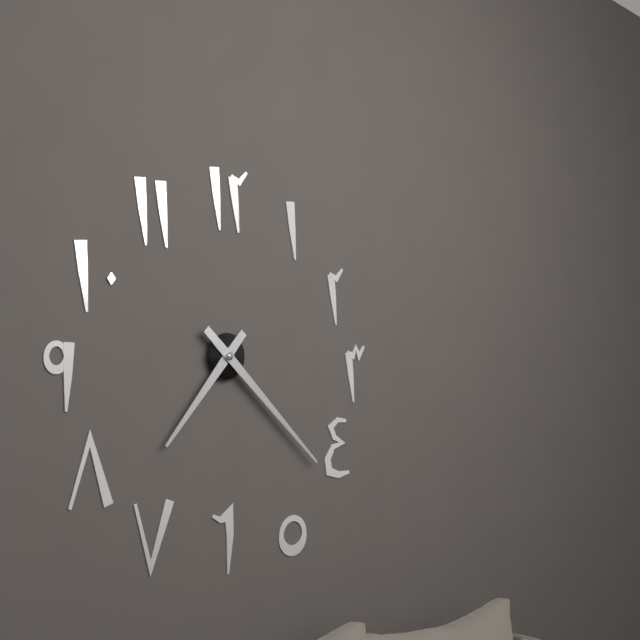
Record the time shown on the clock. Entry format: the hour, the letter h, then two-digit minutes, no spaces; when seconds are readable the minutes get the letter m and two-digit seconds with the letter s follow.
7h22
